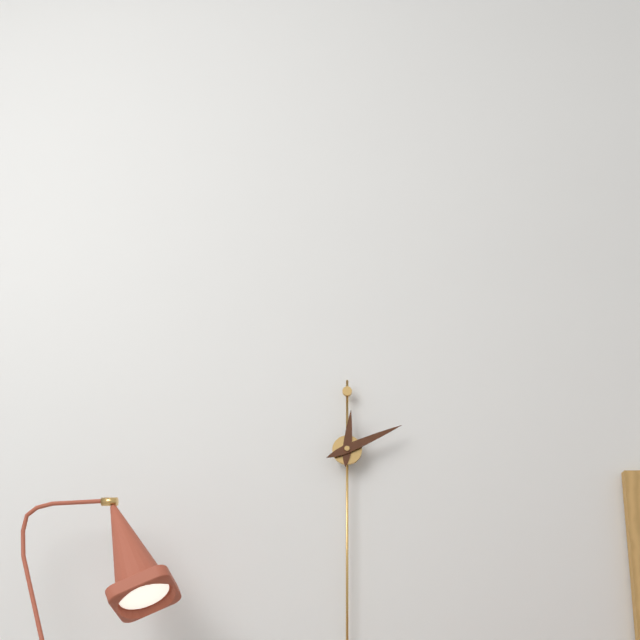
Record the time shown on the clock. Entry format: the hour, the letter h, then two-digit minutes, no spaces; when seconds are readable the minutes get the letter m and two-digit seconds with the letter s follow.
12h11
